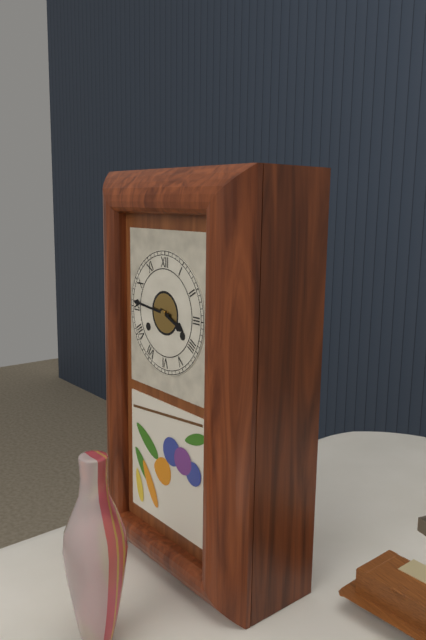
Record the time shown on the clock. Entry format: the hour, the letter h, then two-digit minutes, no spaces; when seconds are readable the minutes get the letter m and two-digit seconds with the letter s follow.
3h46
